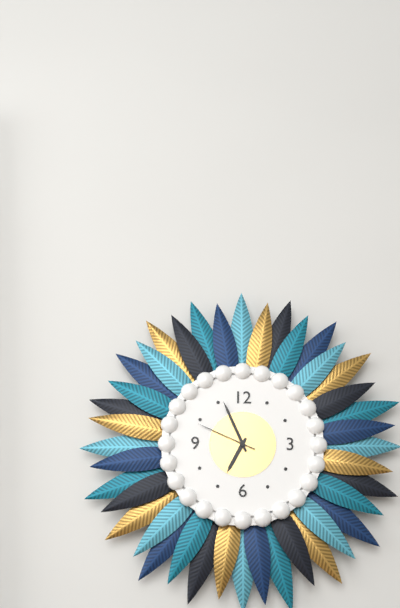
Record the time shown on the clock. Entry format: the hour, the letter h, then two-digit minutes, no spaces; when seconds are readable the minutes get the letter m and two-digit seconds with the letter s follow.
6h56m49s
